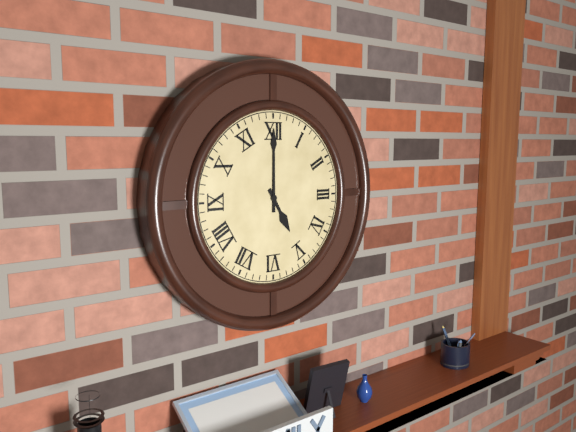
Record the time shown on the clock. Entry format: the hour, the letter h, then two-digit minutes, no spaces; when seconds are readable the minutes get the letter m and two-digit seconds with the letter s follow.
5h00
